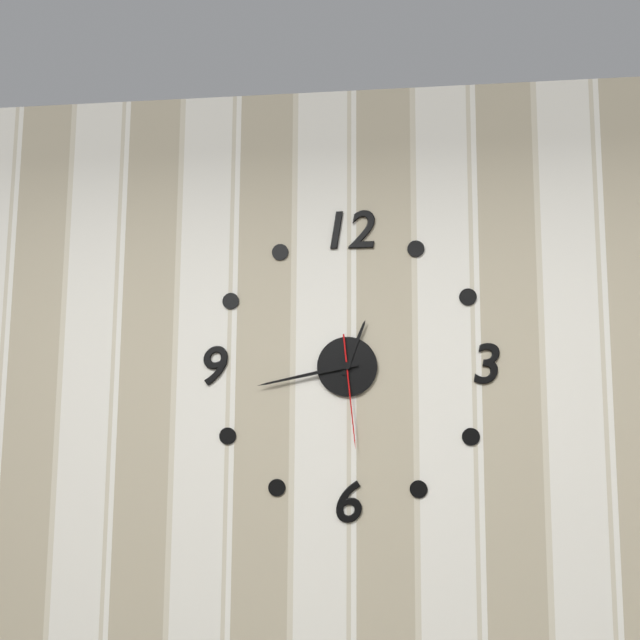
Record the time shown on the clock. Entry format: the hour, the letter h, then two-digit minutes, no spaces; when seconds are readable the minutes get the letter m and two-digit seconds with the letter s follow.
12h43m29s
